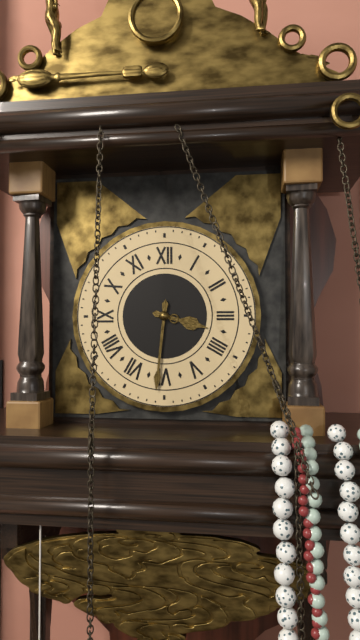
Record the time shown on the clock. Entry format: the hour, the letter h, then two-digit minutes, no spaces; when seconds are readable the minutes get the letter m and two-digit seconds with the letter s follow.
3h31
